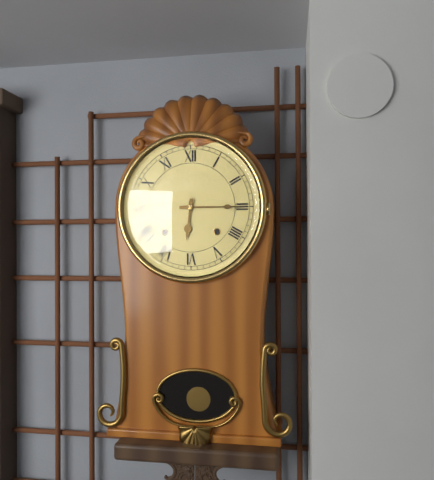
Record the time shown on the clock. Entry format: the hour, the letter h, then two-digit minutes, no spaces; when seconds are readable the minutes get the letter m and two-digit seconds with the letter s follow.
6h15
